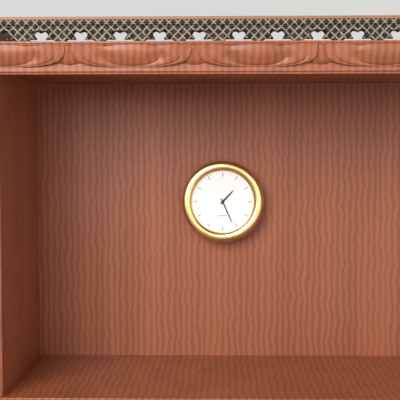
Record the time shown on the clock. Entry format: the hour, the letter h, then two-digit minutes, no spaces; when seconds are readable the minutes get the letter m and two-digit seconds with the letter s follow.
1h26
